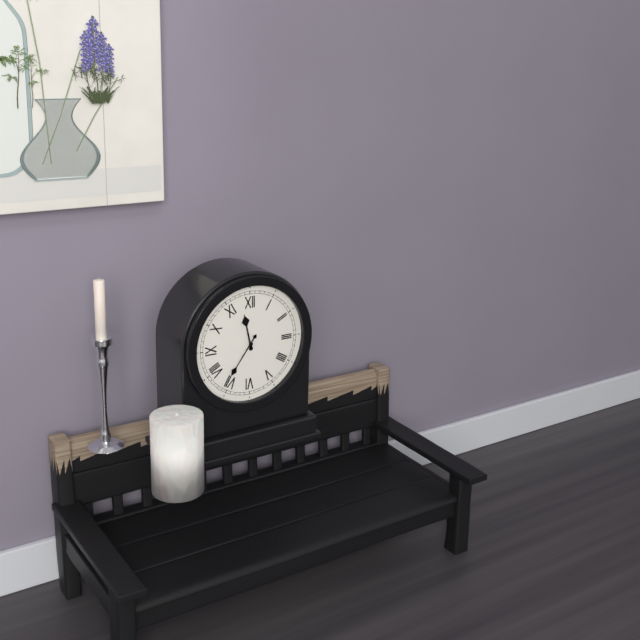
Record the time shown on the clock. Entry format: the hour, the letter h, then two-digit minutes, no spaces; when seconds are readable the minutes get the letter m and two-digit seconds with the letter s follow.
11h36
